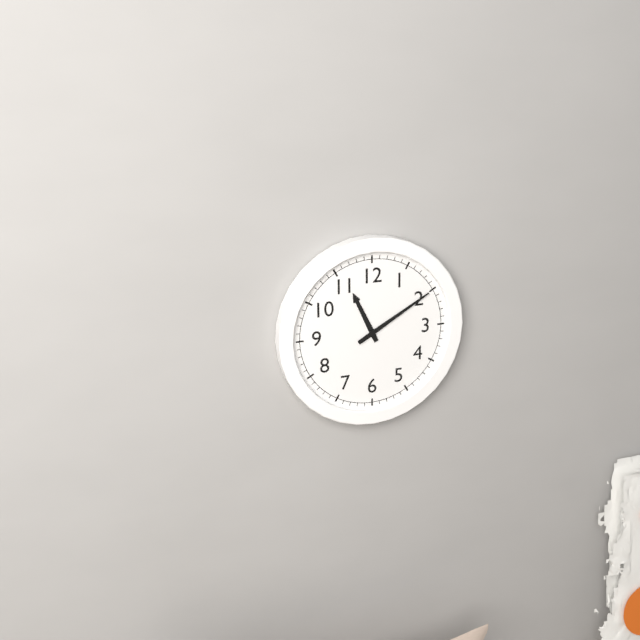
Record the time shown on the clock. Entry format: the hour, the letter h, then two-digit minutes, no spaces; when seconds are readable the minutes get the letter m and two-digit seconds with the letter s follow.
11h10
